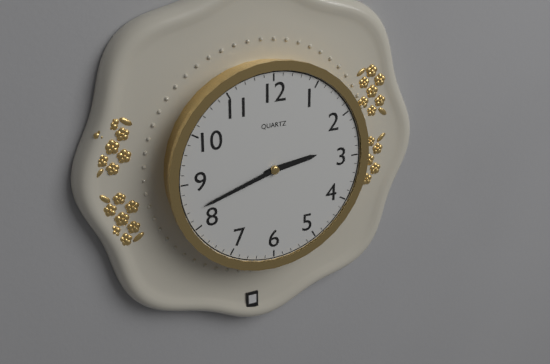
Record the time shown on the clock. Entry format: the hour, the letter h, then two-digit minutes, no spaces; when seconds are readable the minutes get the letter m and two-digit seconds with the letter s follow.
2h42
